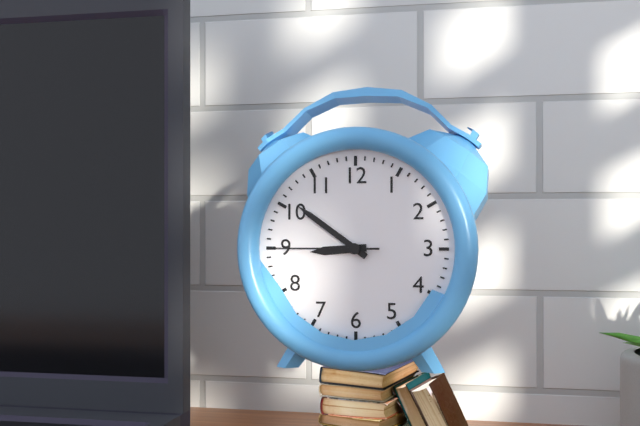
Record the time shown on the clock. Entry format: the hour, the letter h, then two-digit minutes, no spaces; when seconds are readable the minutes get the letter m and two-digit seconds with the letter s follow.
8h51m45s
